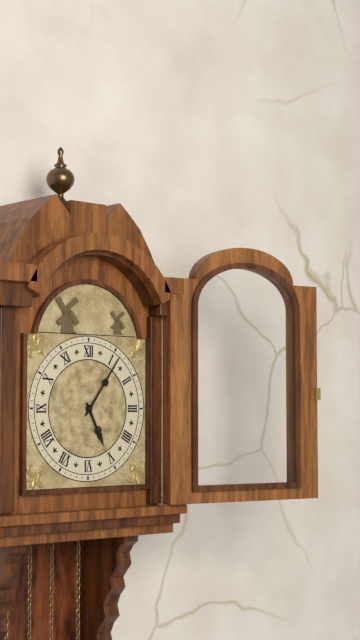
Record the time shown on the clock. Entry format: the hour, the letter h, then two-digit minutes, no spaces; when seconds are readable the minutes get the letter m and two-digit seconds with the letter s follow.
5h06
